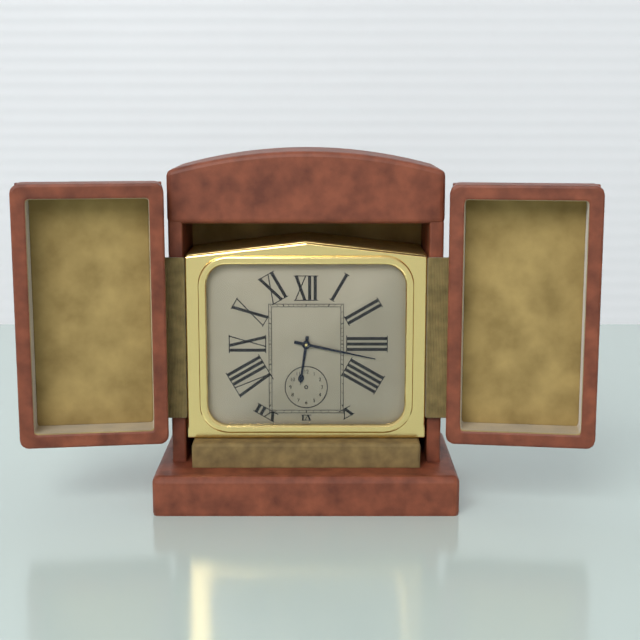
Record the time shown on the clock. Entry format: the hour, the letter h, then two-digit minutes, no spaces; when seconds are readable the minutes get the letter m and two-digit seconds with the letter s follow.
6h17
